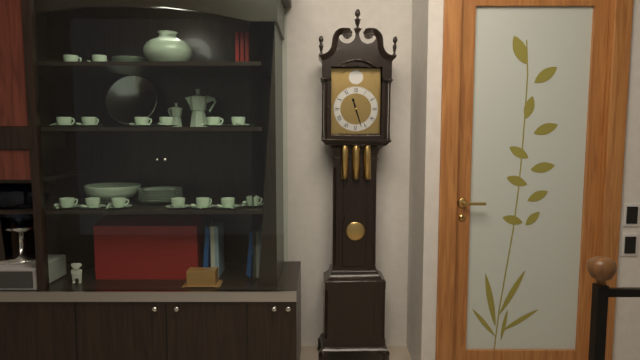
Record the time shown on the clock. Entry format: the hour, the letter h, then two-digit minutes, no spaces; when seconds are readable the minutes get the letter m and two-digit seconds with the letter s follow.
11h27
